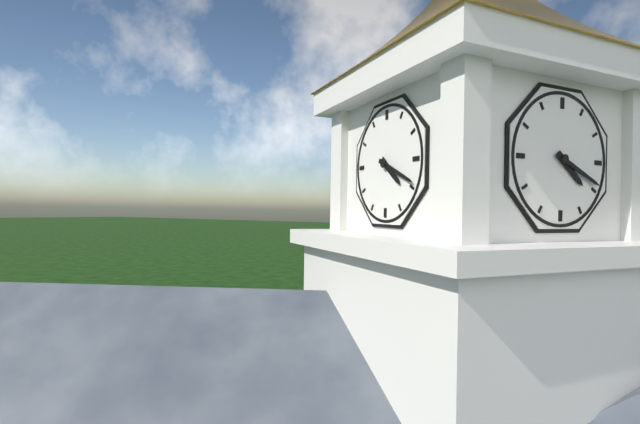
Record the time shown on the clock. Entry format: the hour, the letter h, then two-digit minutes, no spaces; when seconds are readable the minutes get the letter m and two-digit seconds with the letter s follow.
4h19
